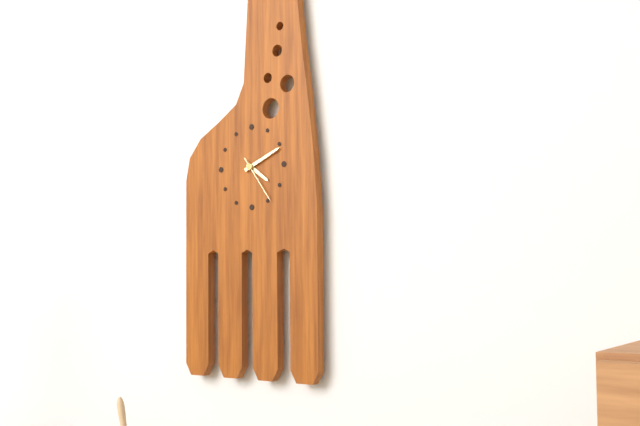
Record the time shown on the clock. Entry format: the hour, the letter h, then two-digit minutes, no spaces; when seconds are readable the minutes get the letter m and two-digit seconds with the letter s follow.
4h11m24s
